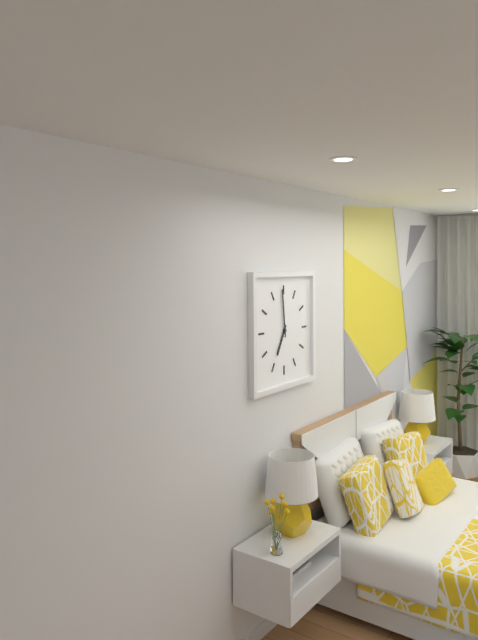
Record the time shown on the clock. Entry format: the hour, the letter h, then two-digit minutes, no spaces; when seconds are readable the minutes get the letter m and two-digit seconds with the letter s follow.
6h59
